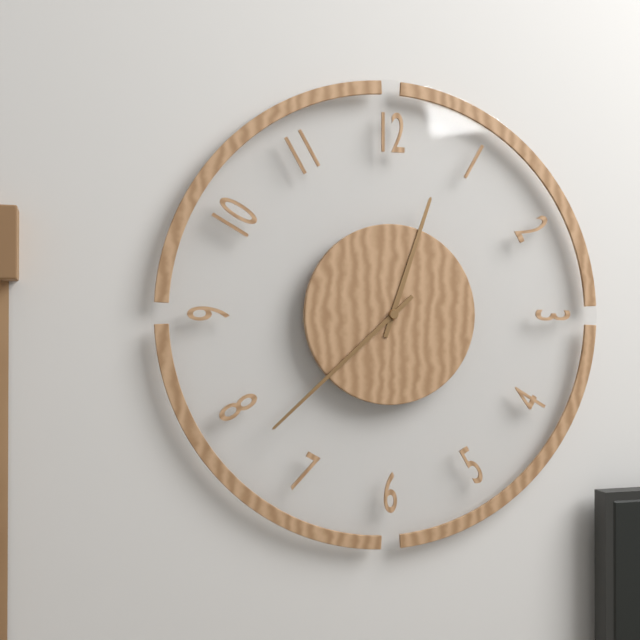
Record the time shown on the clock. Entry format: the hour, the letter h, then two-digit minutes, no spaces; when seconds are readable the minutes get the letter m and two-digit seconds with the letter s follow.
12h38
